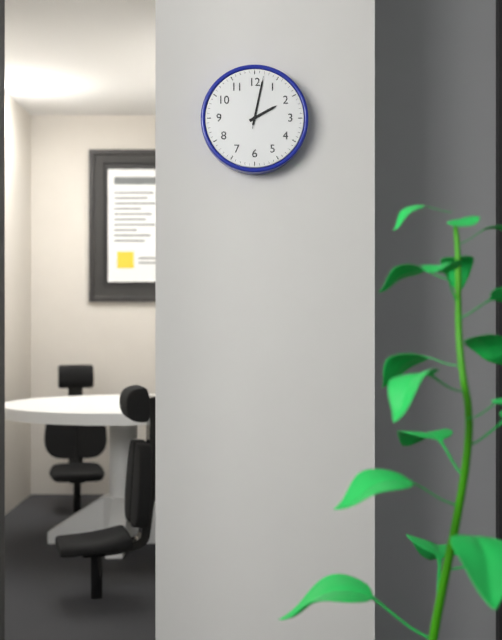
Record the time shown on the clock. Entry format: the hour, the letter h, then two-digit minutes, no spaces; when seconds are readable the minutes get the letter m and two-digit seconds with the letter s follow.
2h02m02s
